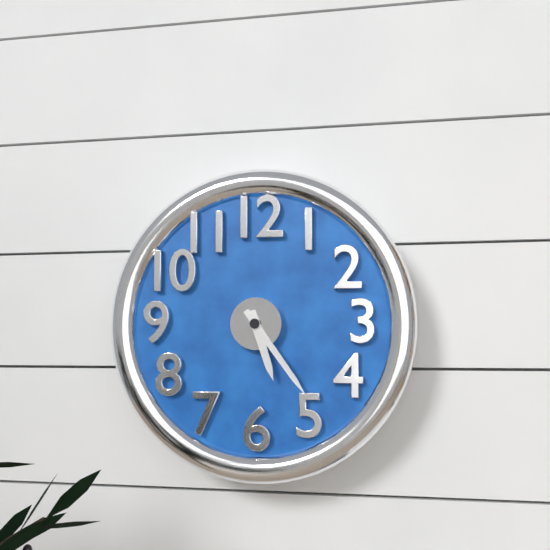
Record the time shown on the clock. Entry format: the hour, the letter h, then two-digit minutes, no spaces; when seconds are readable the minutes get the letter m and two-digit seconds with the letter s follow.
5h24
